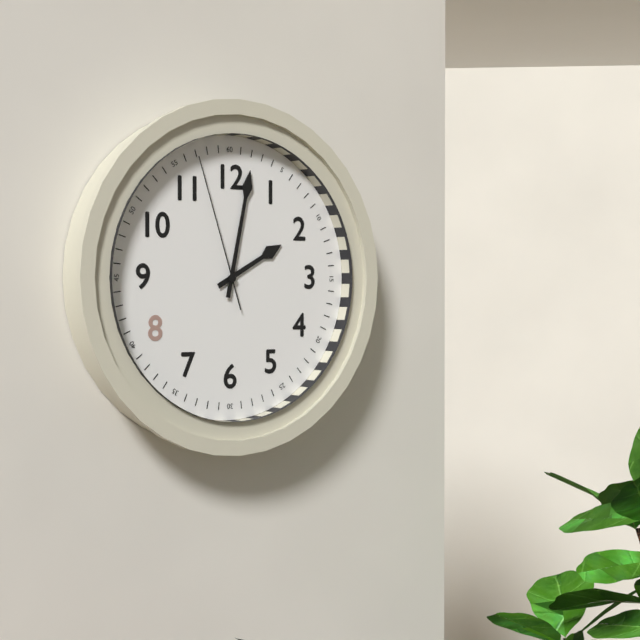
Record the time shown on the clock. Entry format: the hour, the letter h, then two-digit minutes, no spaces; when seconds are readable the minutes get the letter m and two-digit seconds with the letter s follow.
2h02m57s
